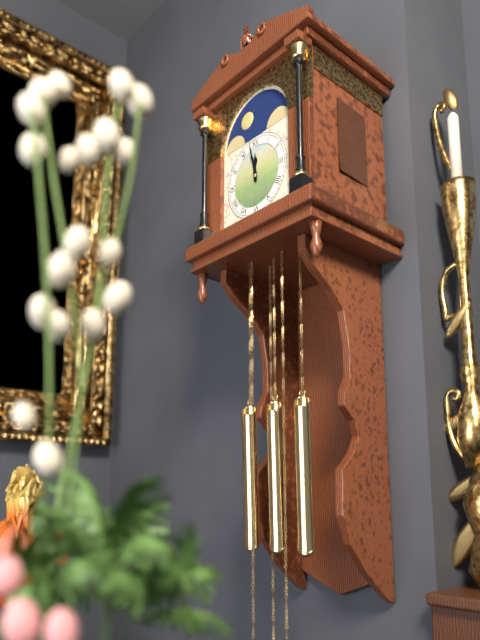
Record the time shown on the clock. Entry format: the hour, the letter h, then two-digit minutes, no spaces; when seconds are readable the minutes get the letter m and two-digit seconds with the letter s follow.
11h58
